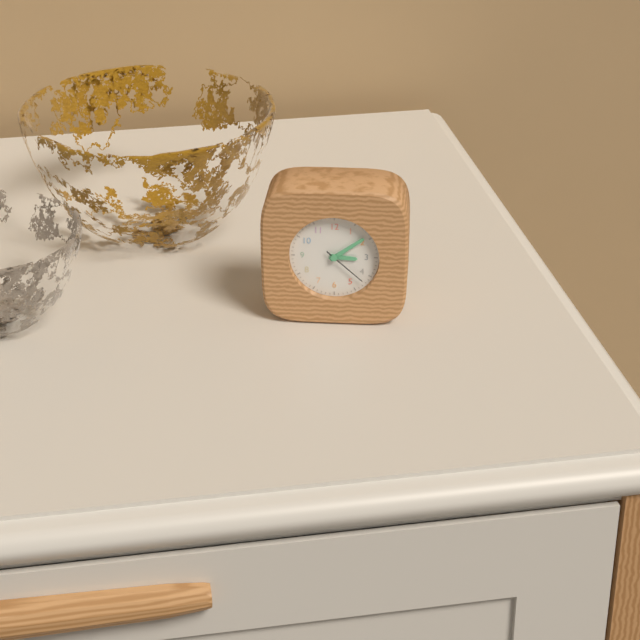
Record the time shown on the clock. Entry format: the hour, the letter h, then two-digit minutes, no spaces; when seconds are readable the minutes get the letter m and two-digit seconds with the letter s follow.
3h09
